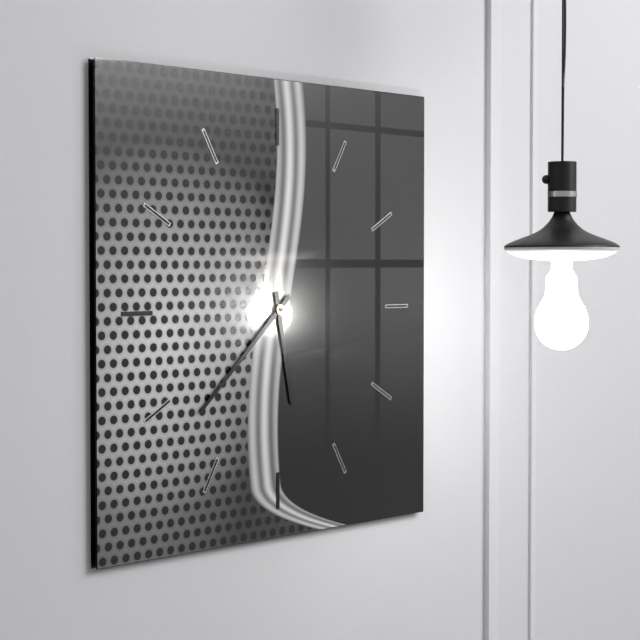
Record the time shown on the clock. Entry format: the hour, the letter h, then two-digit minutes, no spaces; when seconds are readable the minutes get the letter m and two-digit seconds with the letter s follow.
5h38
